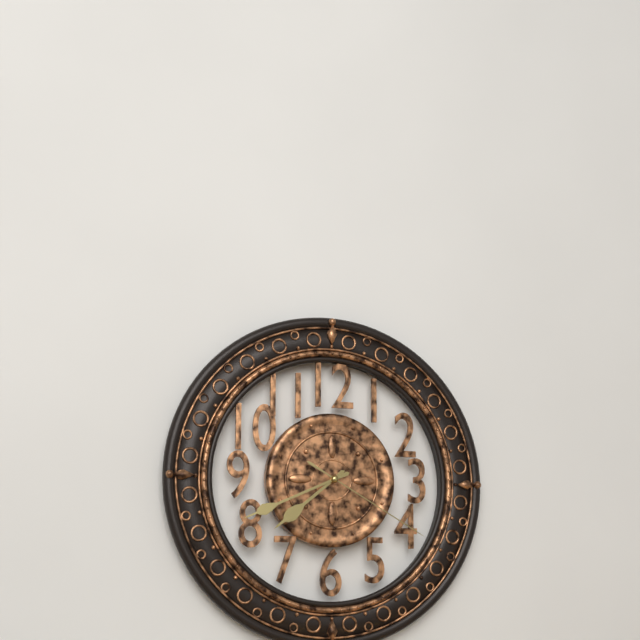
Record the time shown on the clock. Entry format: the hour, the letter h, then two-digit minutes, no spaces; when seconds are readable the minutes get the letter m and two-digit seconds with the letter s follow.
7h41m20s
